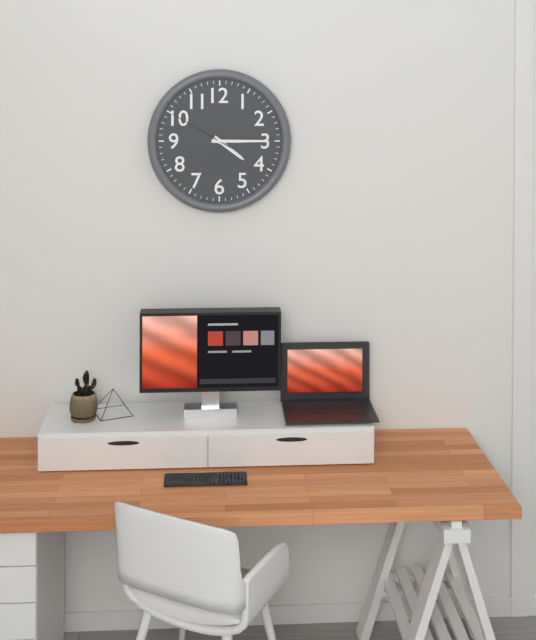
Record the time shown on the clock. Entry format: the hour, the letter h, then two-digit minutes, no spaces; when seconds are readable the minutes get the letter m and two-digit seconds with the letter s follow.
4h15m50s
